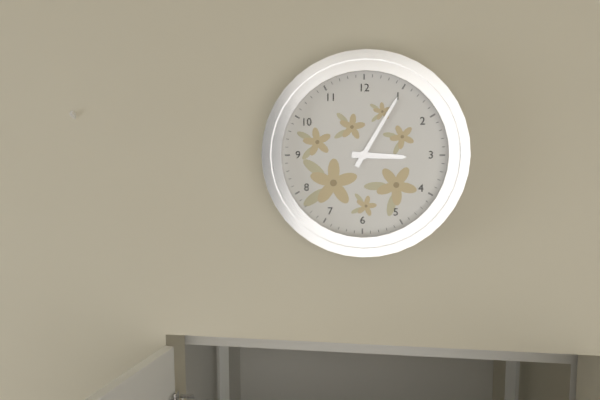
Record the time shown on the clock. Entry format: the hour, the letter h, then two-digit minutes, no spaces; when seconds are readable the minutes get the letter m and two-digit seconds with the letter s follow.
3h05
